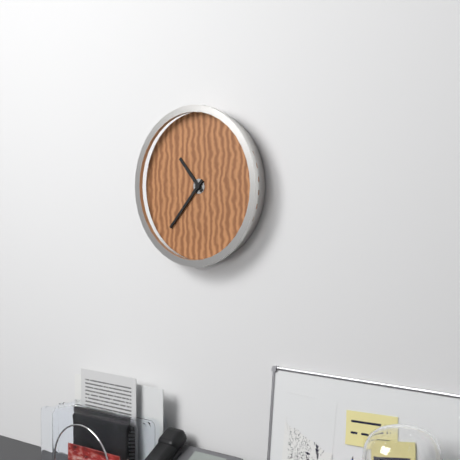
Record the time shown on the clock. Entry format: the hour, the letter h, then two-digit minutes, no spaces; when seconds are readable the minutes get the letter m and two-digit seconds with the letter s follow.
10h37
